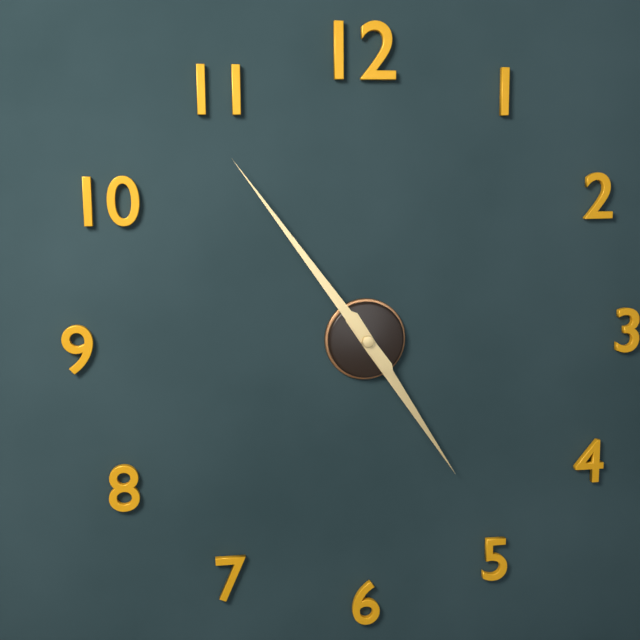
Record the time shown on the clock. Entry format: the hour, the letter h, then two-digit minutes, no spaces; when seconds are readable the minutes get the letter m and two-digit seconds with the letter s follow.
4h54
